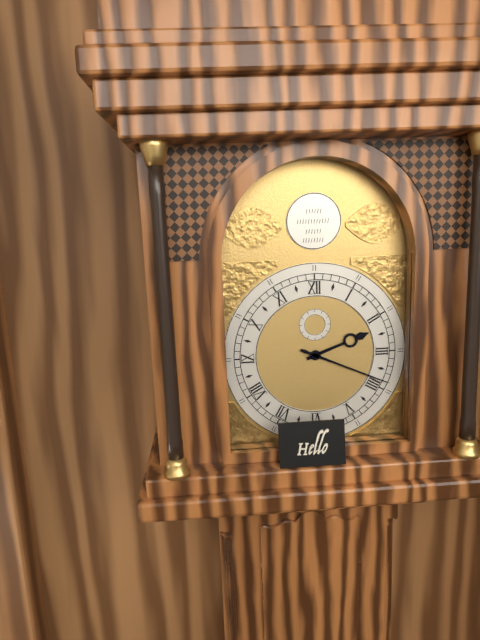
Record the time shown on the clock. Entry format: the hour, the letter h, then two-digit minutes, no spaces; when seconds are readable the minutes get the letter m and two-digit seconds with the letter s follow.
2h19
